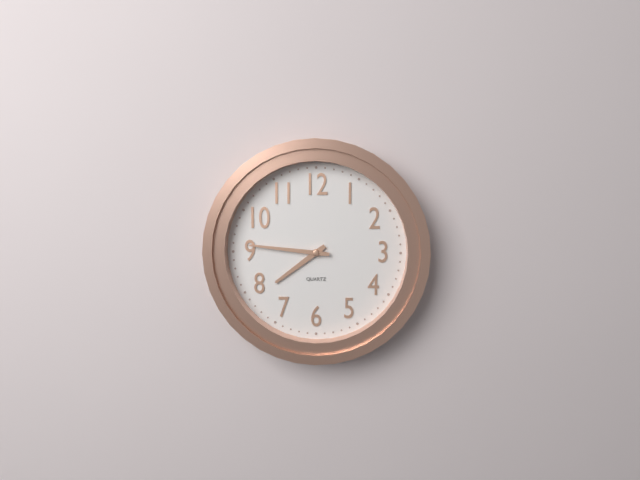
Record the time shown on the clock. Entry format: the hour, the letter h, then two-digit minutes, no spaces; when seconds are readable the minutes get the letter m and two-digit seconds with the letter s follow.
7h46
